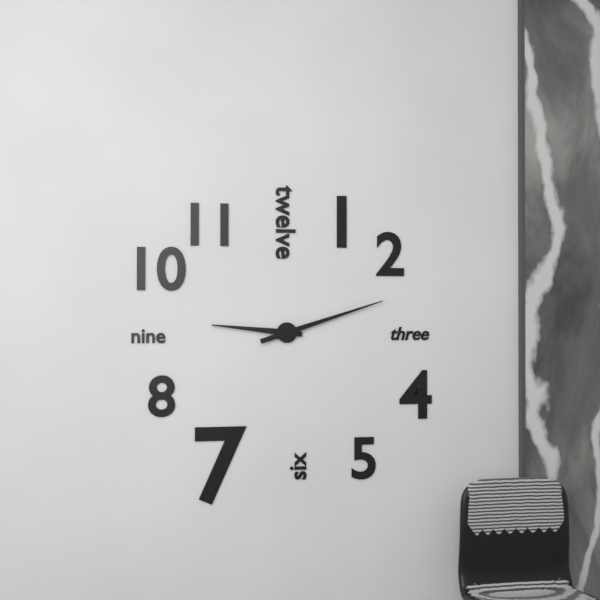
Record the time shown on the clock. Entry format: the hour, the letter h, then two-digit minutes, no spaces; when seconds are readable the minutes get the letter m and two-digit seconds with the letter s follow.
9h12
